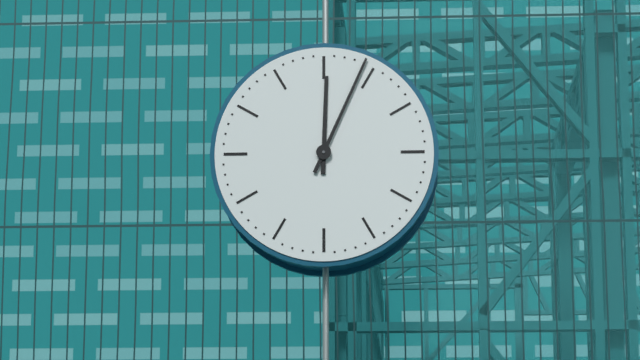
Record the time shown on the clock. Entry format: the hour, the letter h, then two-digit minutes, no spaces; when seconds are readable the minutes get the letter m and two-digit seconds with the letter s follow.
12h04
